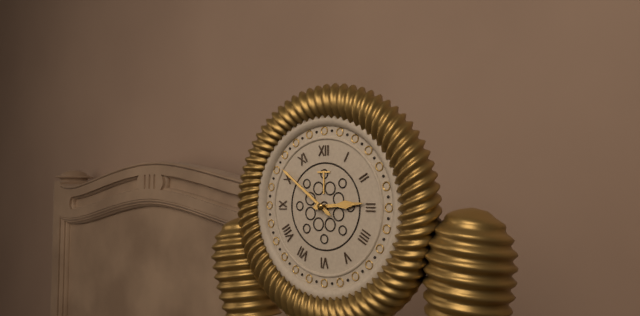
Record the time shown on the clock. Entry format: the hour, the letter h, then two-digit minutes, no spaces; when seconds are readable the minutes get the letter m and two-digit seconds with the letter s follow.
2h51
